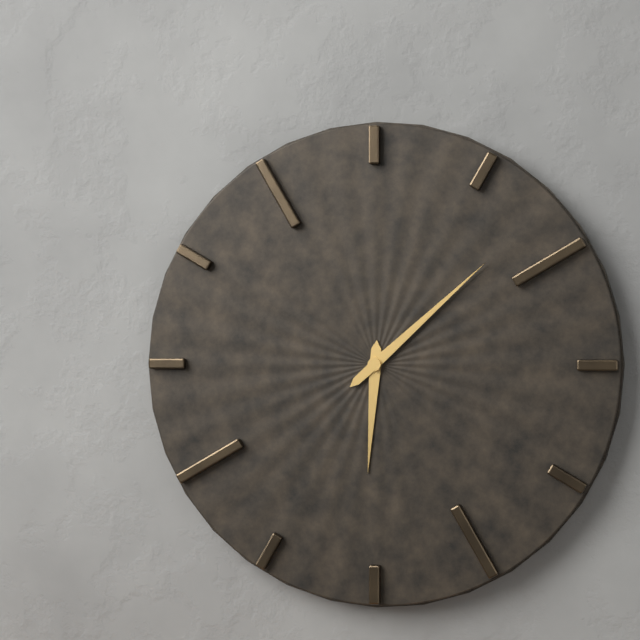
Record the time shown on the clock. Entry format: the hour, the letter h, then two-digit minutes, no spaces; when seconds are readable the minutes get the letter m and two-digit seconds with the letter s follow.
6h08
